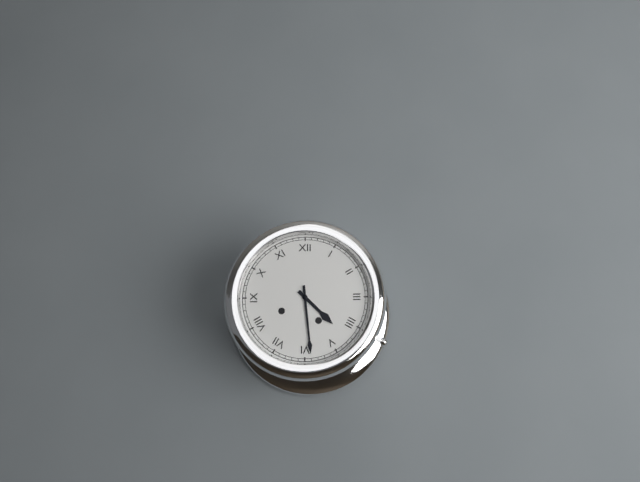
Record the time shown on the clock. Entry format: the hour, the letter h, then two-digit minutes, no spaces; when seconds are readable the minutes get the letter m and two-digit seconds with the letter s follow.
4h29
